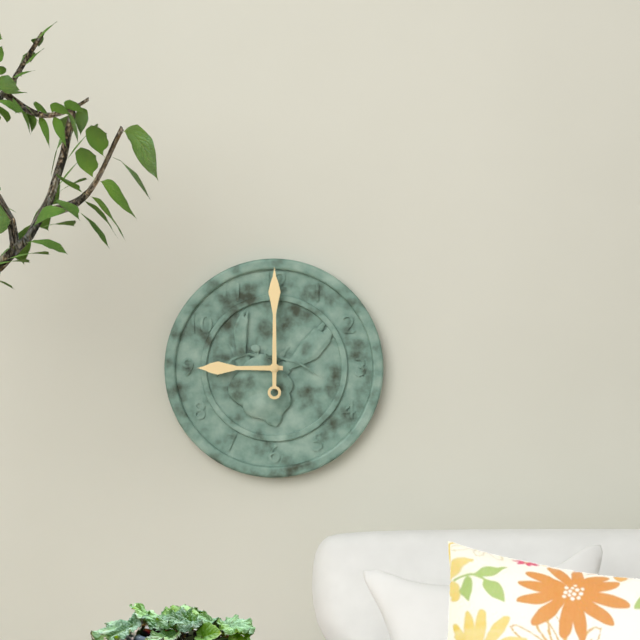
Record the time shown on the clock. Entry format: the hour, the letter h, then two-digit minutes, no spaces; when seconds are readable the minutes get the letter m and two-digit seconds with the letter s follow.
9h00
